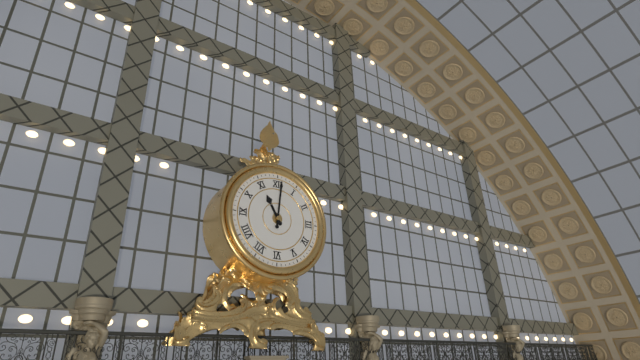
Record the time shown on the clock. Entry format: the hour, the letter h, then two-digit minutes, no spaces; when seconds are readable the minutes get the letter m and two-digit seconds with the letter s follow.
11h01
